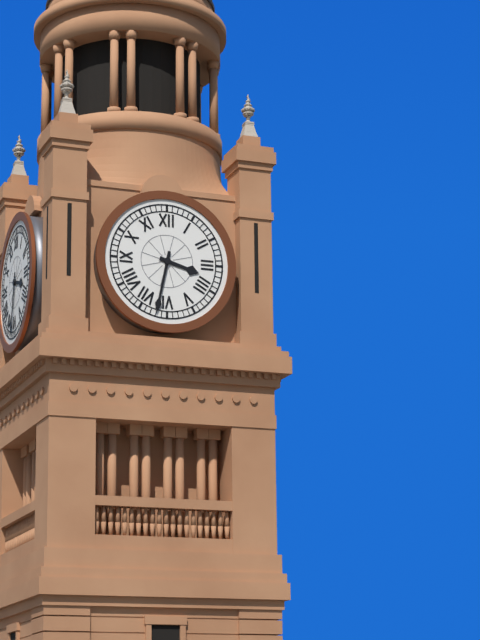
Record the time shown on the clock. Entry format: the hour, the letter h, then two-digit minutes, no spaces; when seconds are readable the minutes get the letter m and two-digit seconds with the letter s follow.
3h32
